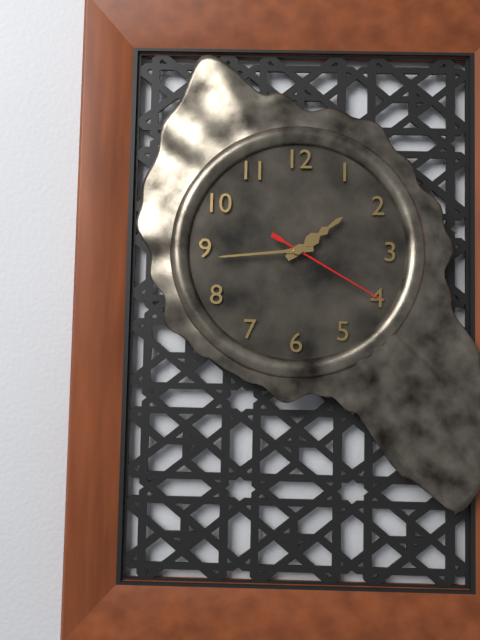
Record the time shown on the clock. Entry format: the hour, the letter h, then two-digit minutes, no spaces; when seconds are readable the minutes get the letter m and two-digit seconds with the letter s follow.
1h44m20s
